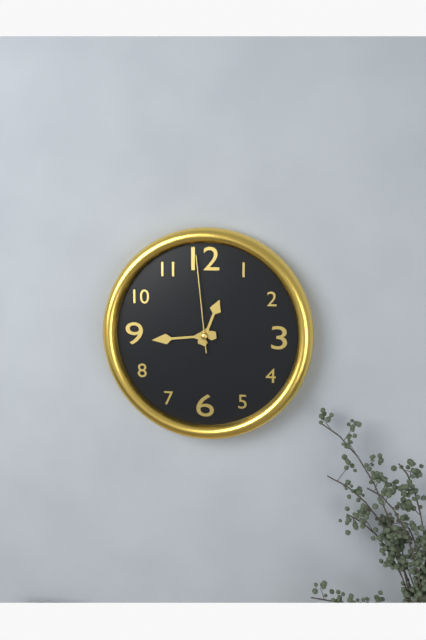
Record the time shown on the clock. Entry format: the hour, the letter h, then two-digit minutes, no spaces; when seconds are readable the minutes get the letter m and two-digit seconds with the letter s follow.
12h44m59s
